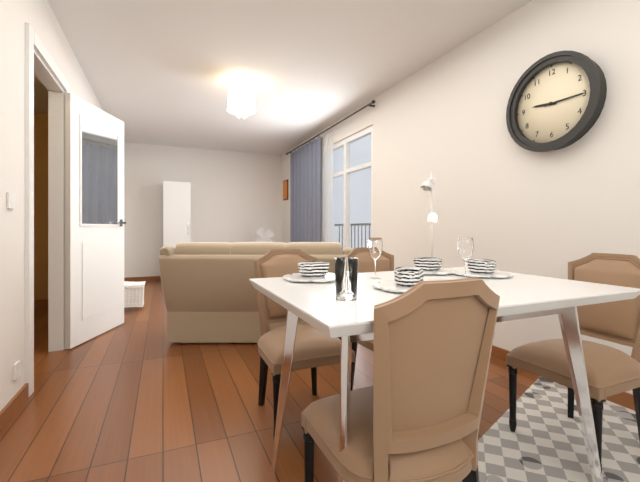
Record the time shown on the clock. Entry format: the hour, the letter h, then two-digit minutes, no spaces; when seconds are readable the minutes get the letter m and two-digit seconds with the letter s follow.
9h15
